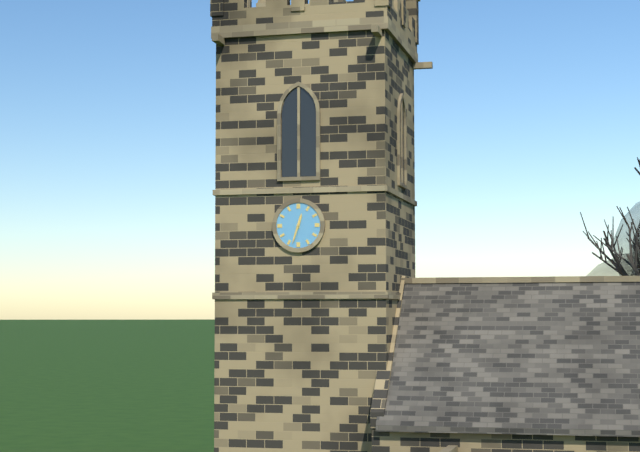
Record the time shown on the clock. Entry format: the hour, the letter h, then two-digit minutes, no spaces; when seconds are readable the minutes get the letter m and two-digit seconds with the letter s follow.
12h33
